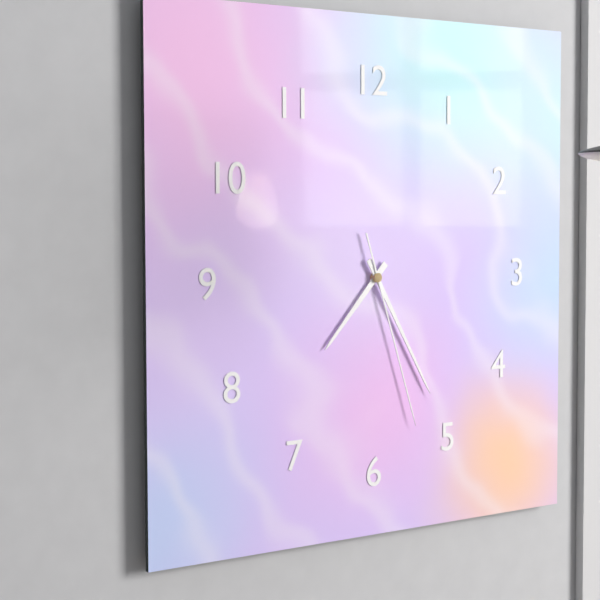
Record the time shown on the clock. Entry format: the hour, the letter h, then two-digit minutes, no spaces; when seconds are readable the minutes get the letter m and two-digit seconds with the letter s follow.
7h25m27s
